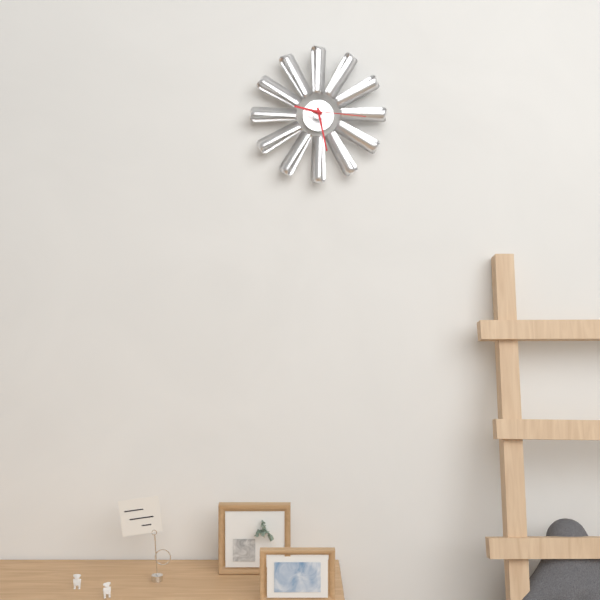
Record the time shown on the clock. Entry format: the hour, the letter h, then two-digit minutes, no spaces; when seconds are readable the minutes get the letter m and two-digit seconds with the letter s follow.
9h28m16s
